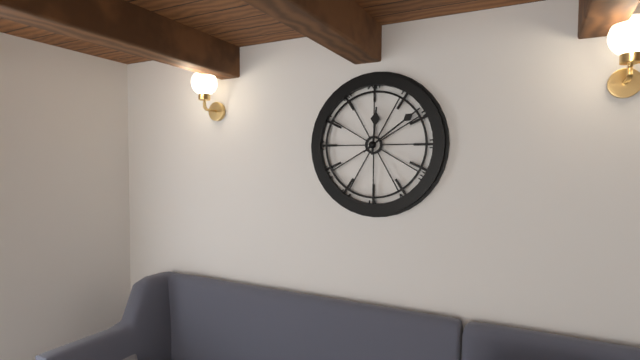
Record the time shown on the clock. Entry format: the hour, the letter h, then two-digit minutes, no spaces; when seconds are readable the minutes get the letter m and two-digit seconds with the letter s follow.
12h09
